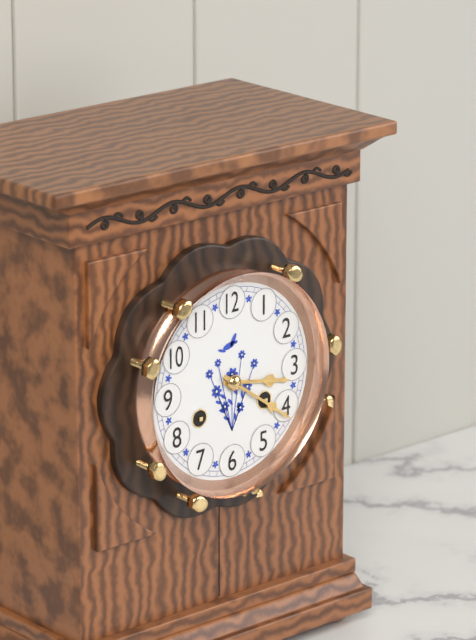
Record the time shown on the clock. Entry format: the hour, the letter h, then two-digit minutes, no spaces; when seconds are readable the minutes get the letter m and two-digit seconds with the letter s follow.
3h21
